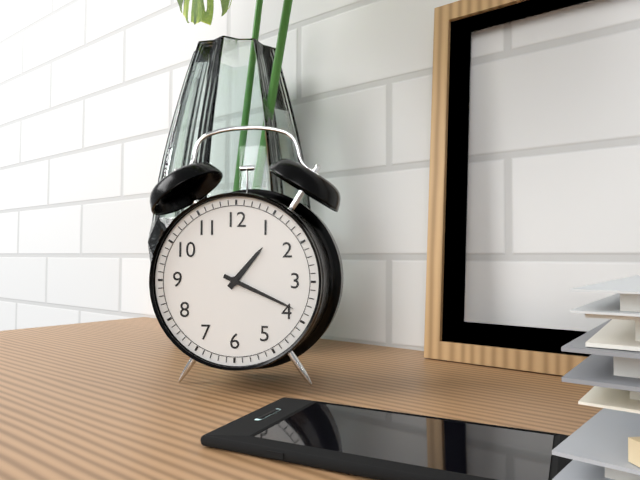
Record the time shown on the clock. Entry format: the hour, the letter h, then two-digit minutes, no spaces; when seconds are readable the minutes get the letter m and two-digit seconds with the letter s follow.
1h19
